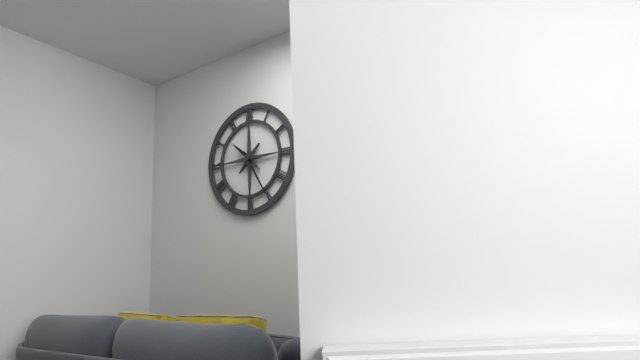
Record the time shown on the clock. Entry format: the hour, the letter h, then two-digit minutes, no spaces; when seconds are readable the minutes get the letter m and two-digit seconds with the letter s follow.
10h25
